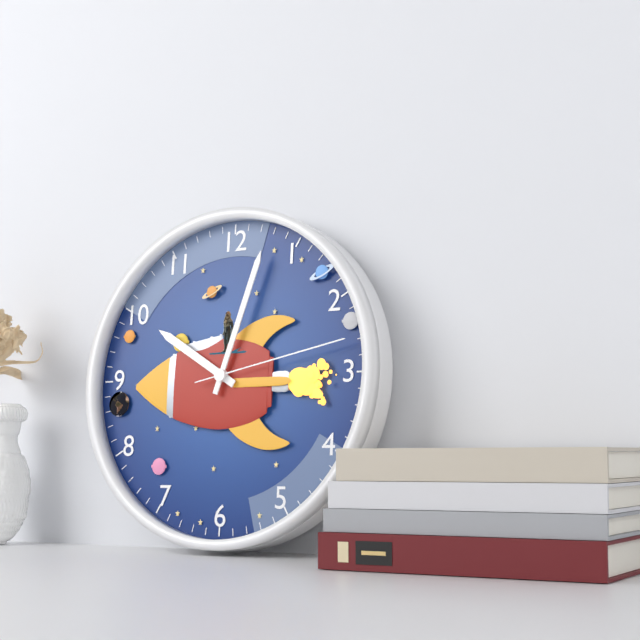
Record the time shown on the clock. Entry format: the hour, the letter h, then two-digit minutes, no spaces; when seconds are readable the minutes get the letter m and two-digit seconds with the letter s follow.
10h03m13s
